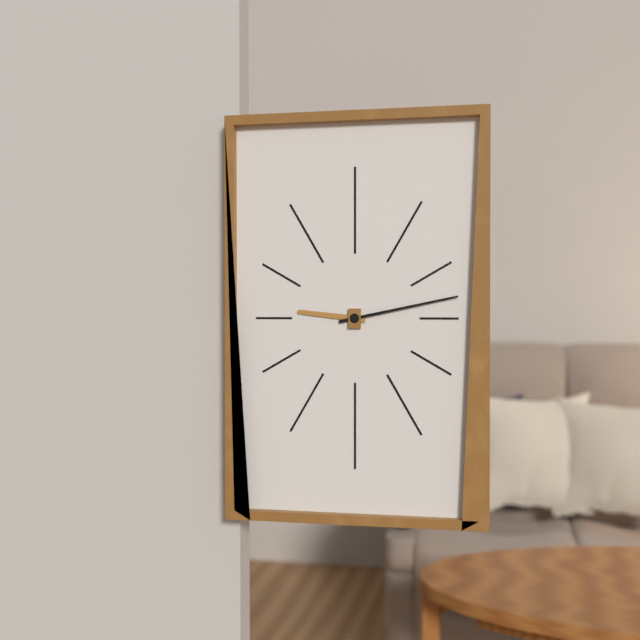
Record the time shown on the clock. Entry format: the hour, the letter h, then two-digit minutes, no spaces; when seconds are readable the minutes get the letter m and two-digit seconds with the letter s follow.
9h13
